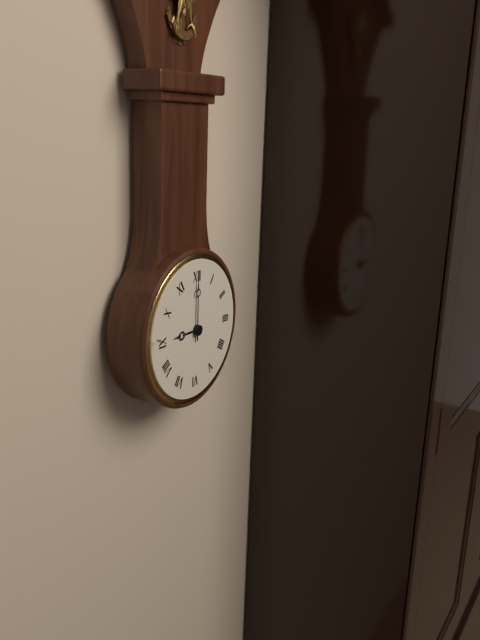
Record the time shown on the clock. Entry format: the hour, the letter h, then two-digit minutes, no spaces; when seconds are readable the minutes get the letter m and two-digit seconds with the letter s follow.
9h00
